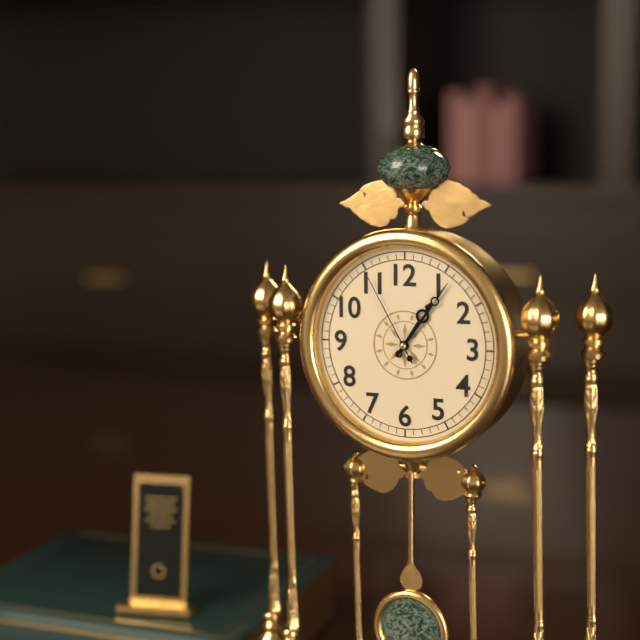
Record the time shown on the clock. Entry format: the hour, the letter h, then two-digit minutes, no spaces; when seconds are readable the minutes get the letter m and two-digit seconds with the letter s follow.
1h06m55s
